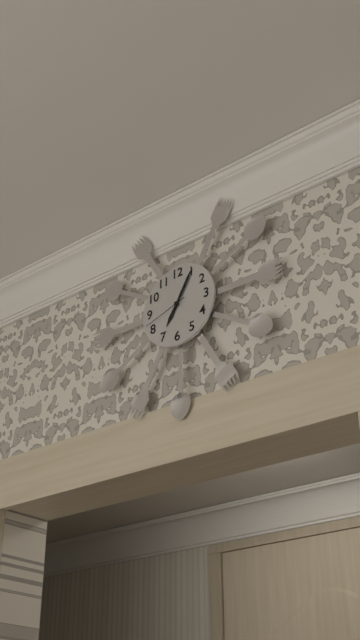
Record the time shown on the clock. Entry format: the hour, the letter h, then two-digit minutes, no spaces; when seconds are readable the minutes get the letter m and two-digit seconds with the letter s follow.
7h05
